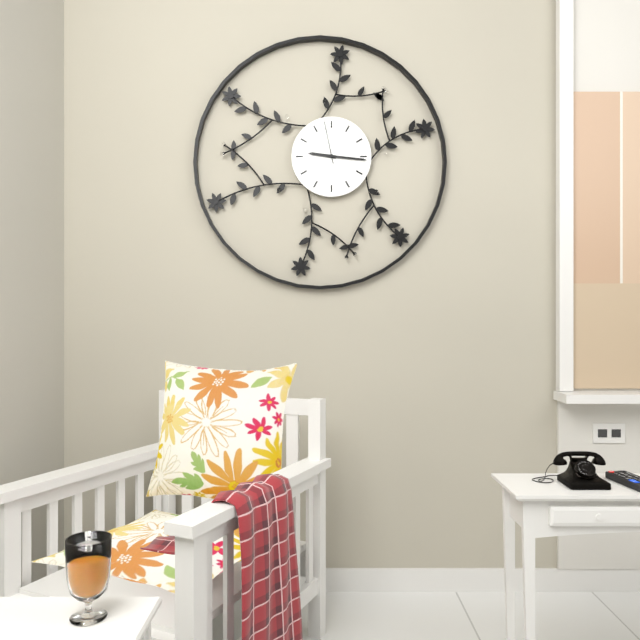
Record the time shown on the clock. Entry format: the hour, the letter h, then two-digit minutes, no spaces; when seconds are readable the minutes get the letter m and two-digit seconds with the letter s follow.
9h16
